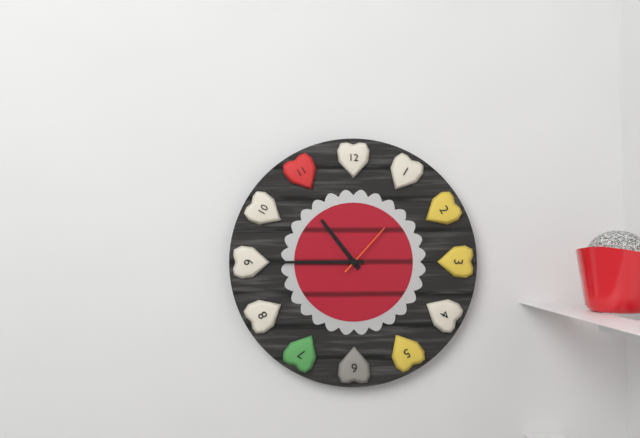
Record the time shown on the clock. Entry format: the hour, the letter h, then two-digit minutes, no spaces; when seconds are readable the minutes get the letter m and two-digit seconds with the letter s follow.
10h45m07s
